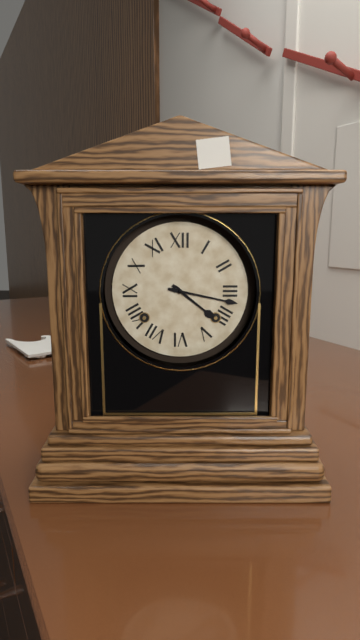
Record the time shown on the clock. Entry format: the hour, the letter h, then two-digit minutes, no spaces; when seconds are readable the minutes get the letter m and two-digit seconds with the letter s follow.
4h17
